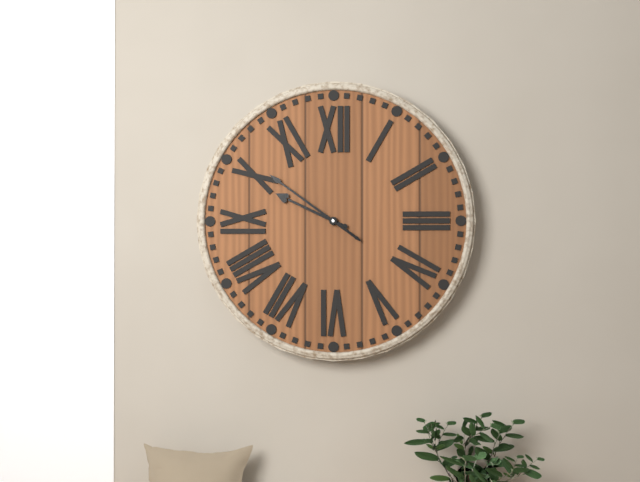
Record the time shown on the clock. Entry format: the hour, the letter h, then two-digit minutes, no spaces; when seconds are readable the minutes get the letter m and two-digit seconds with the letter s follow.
9h51
